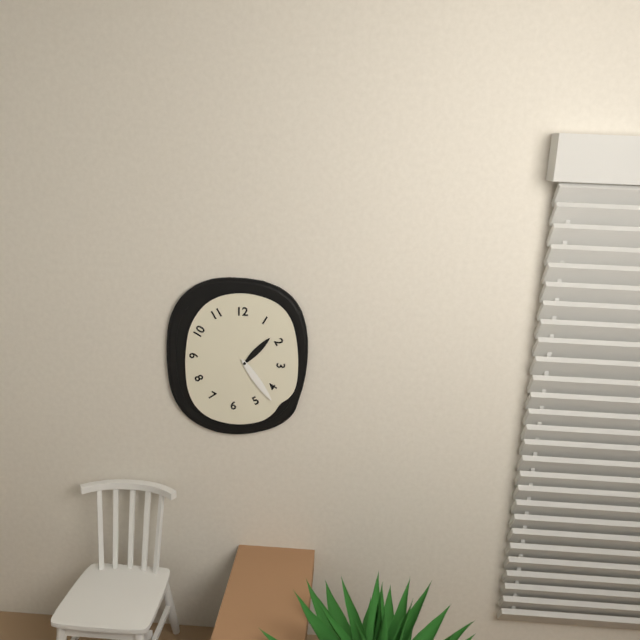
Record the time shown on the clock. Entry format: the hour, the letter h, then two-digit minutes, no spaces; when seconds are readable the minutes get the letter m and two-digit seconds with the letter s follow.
1h24
